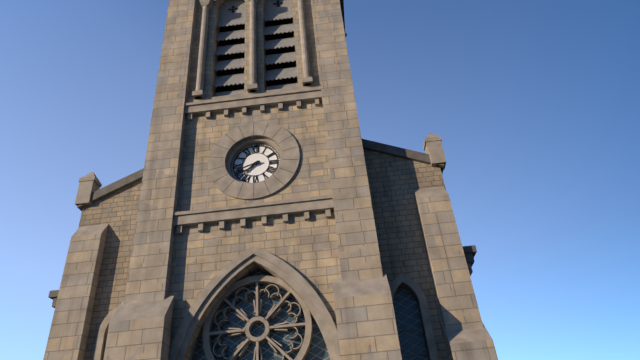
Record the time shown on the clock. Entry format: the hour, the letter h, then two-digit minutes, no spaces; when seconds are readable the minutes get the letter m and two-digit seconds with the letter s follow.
7h42
